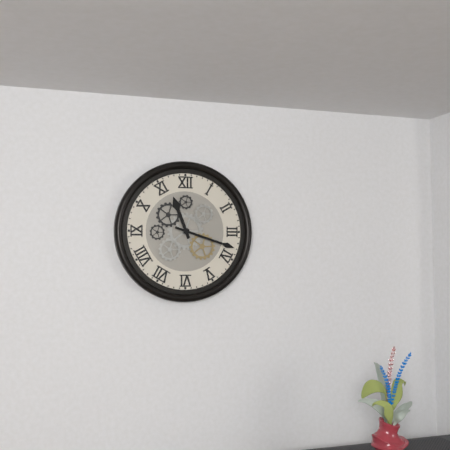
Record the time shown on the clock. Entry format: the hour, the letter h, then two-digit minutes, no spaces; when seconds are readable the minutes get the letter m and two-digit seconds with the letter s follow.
11h18
